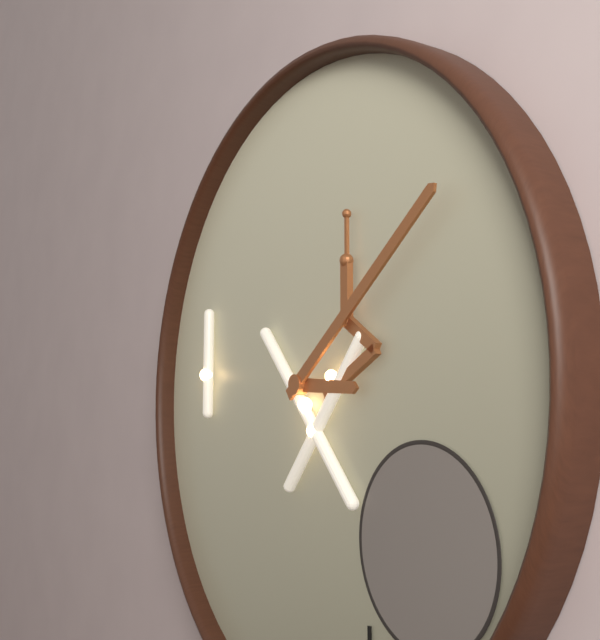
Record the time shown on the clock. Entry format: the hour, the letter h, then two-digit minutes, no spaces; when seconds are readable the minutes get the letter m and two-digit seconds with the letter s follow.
3h09
